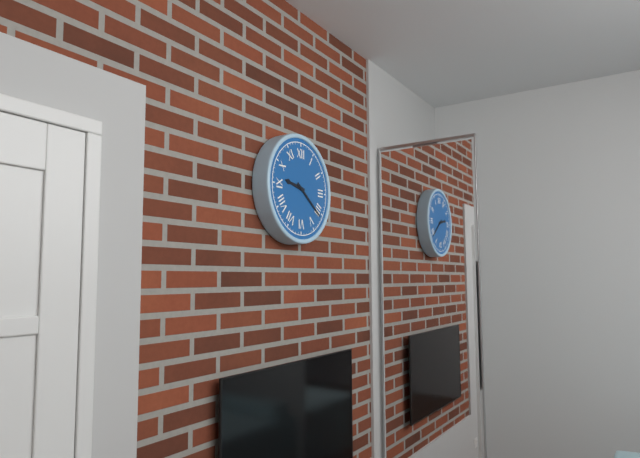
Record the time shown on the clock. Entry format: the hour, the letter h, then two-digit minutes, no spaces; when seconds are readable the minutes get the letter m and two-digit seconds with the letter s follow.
9h21
